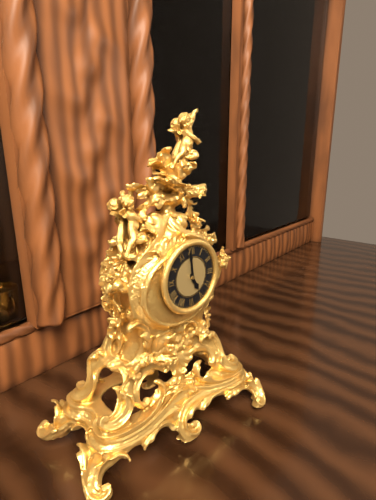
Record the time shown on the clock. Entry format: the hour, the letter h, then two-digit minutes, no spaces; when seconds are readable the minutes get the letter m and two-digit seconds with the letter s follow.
4h59
